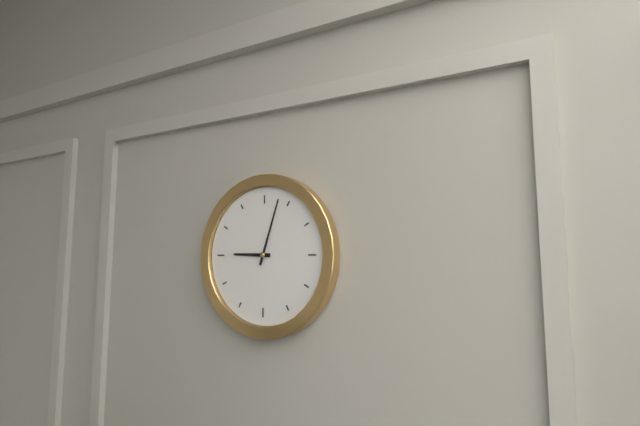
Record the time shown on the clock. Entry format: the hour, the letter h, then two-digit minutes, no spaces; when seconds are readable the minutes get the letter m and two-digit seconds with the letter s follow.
9h03
